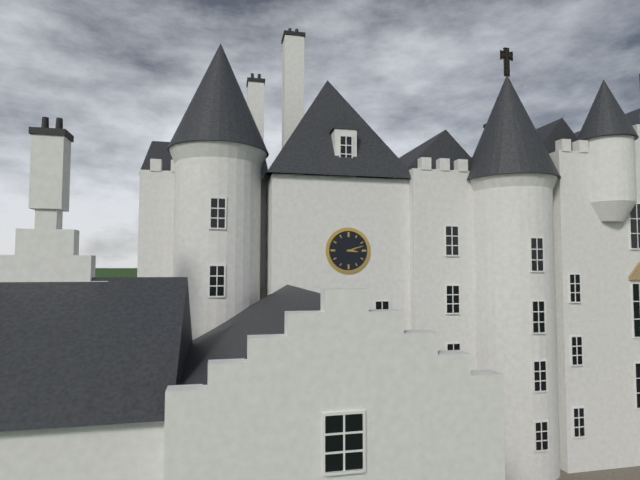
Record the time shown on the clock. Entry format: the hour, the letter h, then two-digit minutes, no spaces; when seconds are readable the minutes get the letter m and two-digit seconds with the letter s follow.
3h12
